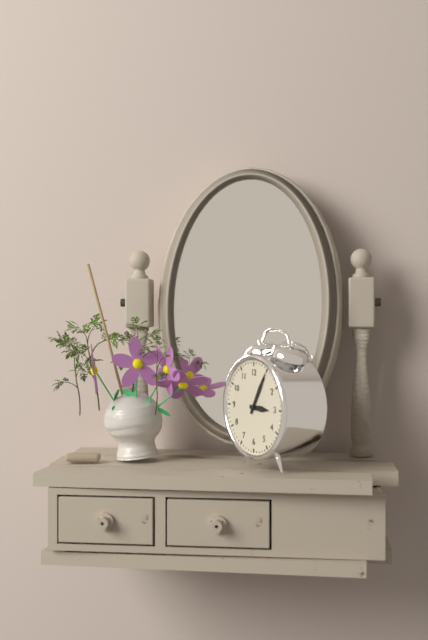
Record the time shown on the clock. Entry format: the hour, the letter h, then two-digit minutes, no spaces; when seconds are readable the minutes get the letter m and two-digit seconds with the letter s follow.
3h05
